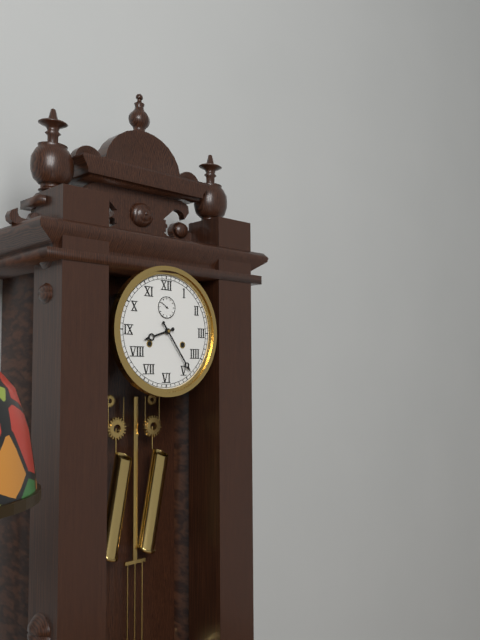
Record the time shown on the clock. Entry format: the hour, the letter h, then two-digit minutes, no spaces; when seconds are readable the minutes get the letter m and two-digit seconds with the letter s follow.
8h24
